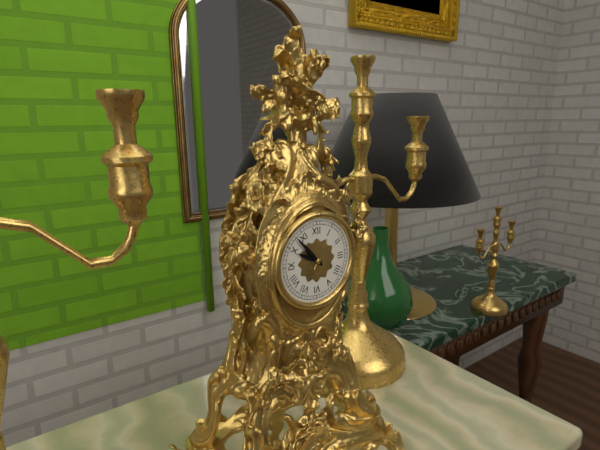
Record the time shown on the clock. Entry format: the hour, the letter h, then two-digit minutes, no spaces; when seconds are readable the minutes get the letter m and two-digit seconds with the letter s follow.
9h53
